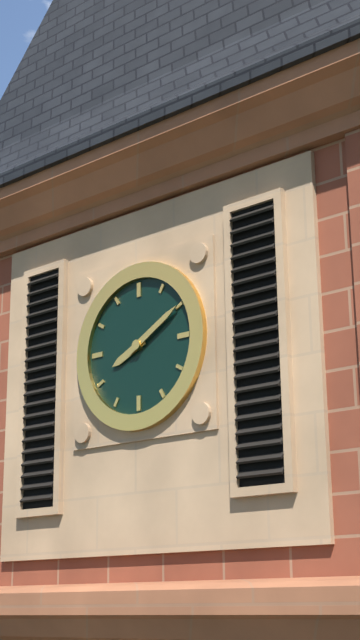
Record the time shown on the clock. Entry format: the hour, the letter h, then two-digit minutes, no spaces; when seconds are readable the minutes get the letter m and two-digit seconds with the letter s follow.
8h10
